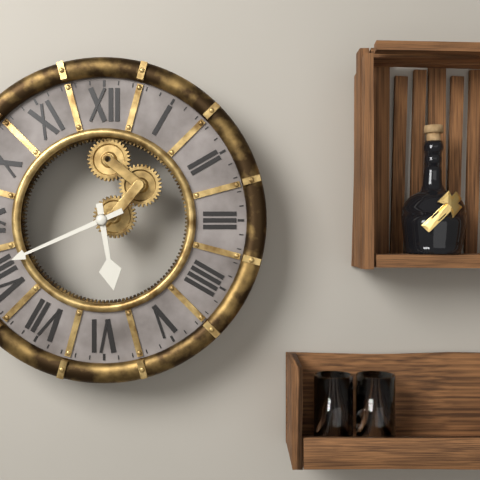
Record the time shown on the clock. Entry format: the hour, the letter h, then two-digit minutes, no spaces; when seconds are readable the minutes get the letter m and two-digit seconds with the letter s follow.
5h41
